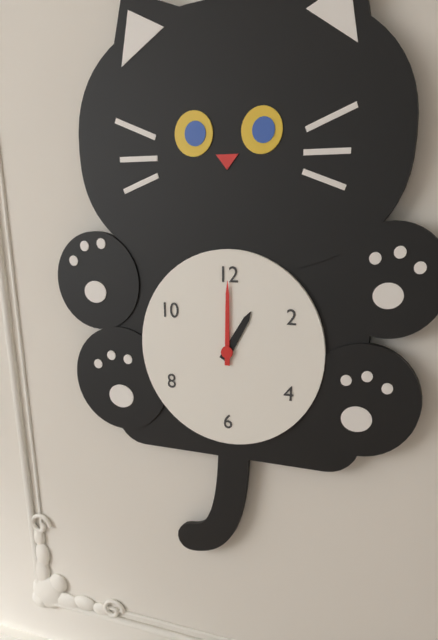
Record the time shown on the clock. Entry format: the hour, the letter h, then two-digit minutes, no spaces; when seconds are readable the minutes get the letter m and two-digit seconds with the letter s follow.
1h00
